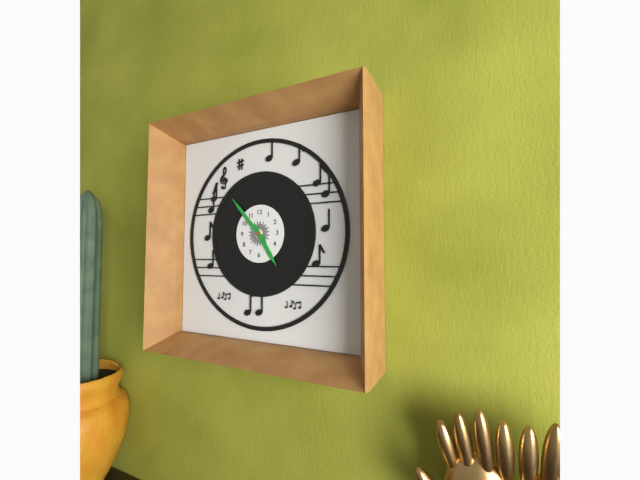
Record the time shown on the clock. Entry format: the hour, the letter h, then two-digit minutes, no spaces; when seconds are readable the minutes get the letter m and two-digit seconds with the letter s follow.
4h53
